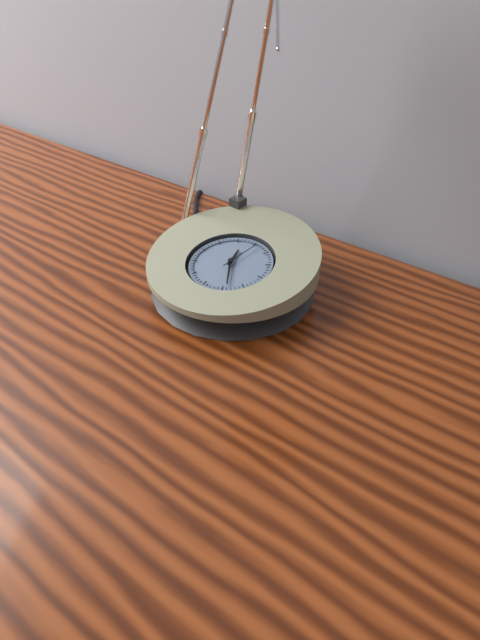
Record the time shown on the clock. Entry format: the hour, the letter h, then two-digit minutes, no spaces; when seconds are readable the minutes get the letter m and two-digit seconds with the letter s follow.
11h24
